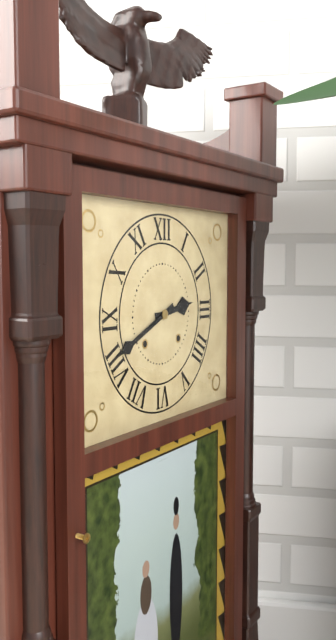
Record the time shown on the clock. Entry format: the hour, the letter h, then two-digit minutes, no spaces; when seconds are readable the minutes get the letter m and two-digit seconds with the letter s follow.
2h41
